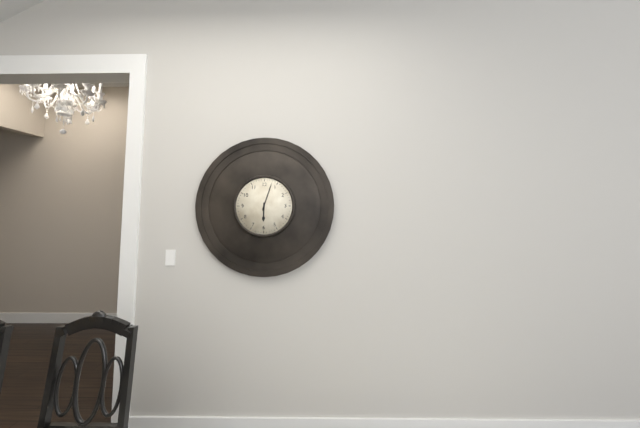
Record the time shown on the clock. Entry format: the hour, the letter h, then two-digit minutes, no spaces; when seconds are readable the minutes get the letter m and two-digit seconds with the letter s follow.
6h03
